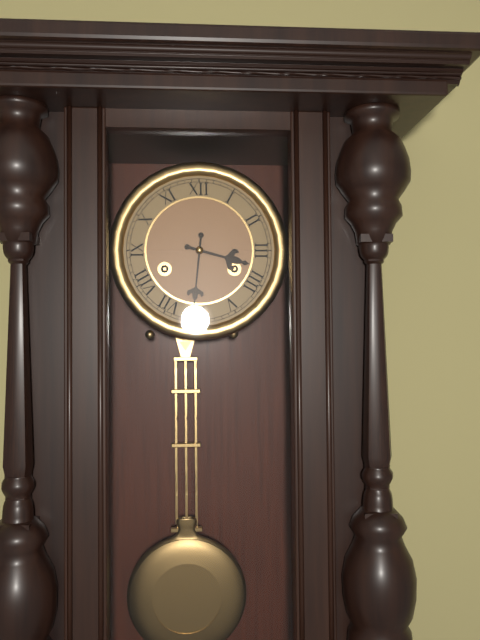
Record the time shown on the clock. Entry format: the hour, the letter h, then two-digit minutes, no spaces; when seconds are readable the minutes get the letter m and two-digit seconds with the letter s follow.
3h31
